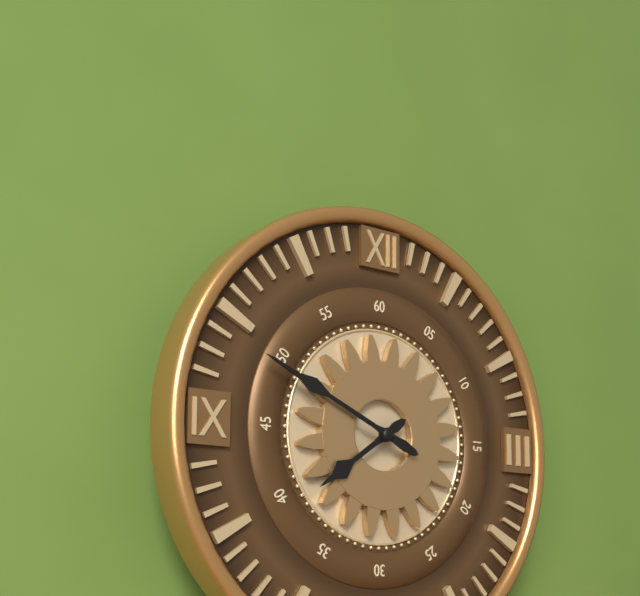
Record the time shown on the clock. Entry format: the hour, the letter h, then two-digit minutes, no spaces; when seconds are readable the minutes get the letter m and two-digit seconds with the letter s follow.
7h49
